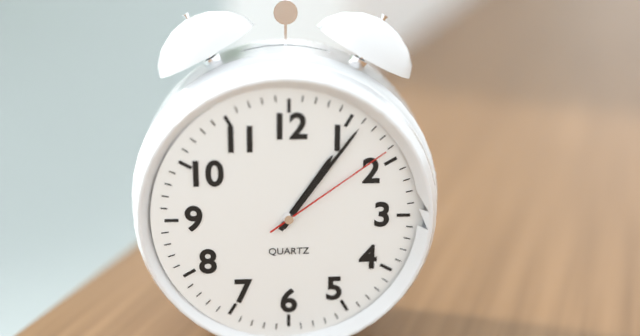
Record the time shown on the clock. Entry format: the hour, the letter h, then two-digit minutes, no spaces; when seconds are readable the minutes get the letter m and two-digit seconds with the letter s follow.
1h06m09s
